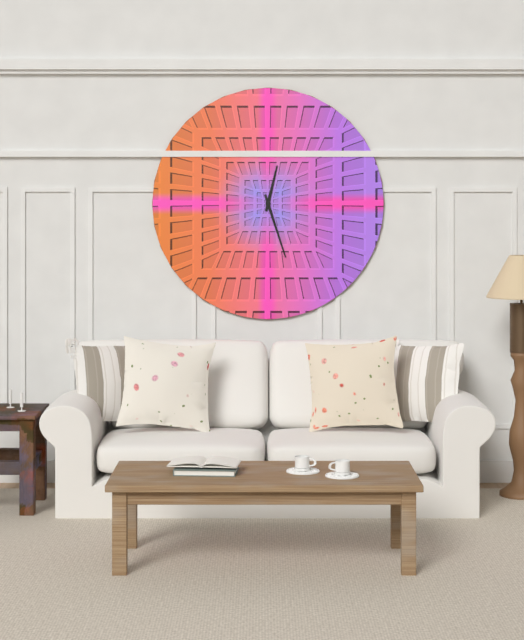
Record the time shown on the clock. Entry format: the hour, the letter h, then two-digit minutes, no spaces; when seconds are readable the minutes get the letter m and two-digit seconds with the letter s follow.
12h27
